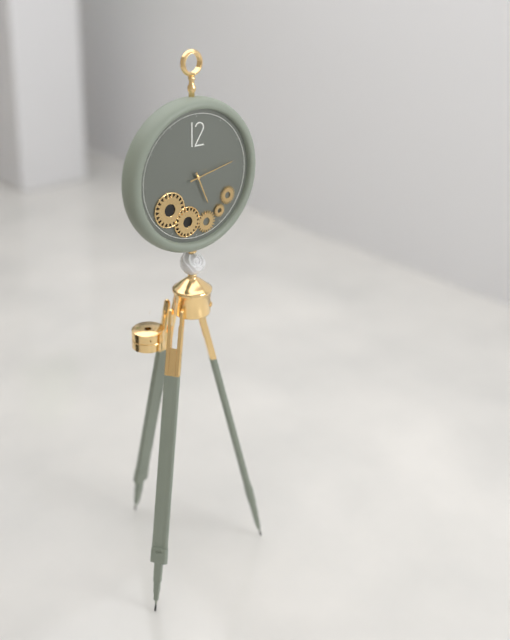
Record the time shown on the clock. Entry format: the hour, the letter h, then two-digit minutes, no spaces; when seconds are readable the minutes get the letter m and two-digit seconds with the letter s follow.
5h13
